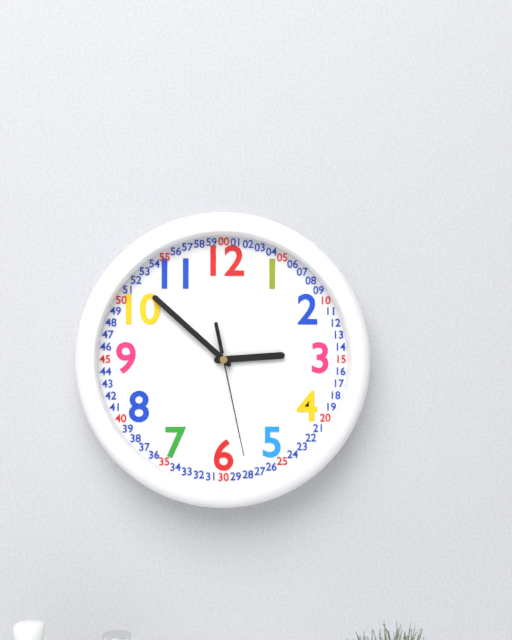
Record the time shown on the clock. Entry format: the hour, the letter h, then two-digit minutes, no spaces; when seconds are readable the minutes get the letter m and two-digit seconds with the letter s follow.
2h52m28s
